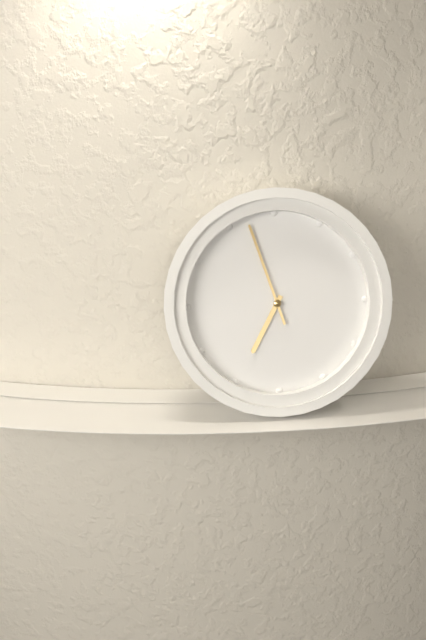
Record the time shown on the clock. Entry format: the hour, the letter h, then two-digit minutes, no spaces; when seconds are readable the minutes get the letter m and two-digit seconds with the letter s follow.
6h57
